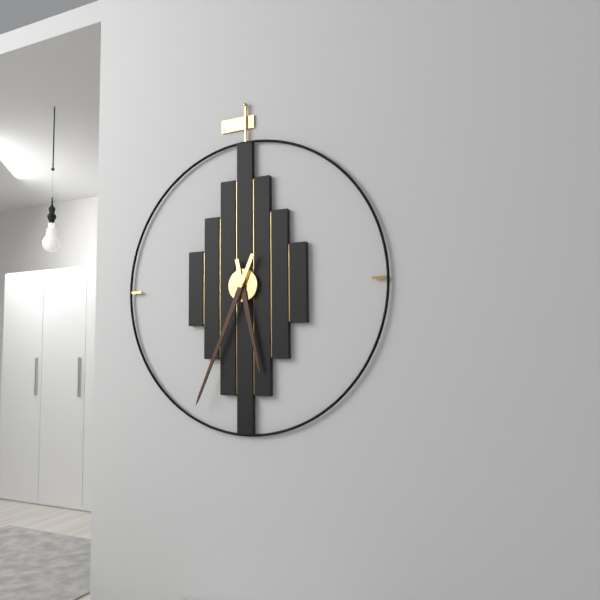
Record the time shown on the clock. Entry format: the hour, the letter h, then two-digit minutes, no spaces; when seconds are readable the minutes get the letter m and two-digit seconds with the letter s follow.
5h34
